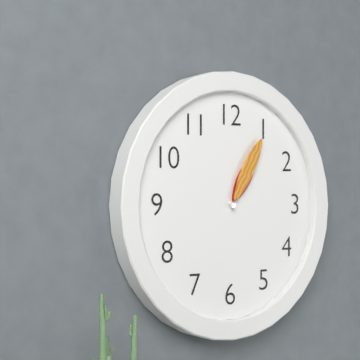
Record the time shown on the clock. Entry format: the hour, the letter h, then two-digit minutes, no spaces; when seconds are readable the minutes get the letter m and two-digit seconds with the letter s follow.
1h05
